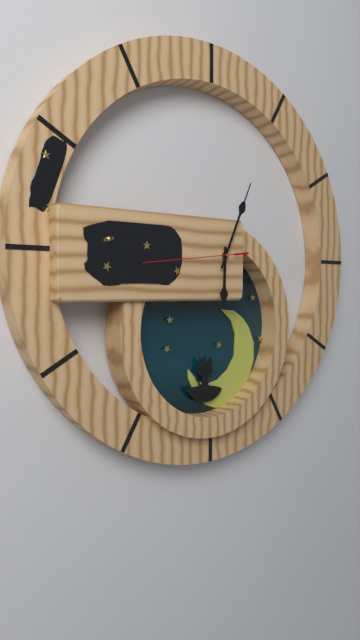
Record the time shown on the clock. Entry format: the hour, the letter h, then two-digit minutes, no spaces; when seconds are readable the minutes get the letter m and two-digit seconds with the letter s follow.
6h04m44s
